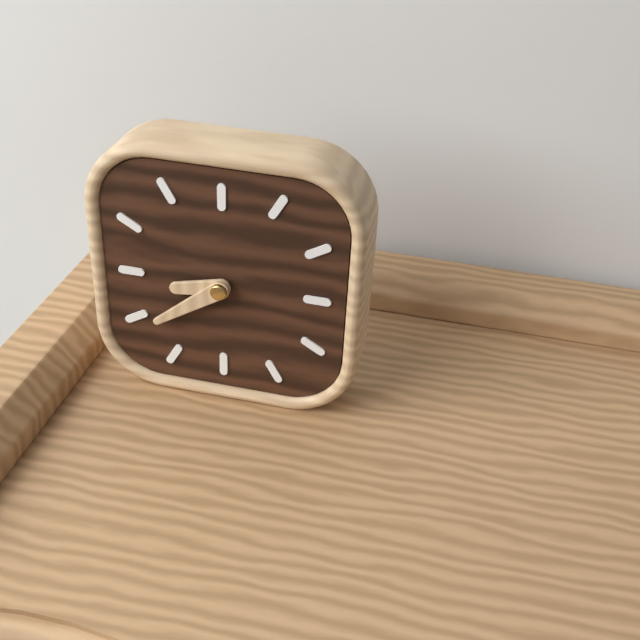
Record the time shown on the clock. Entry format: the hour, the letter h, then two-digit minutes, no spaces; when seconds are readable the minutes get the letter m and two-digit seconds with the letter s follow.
8h39
